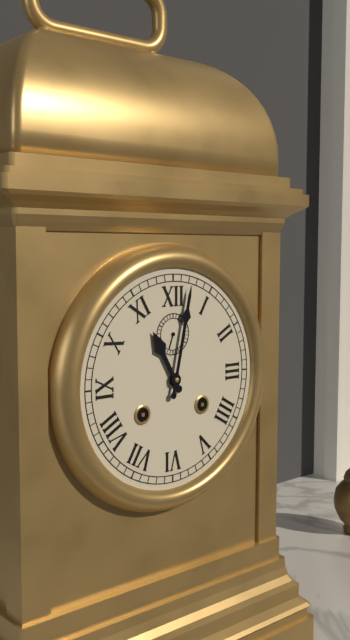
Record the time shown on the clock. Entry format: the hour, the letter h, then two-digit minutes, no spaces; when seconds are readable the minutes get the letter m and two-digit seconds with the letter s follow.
11h02
